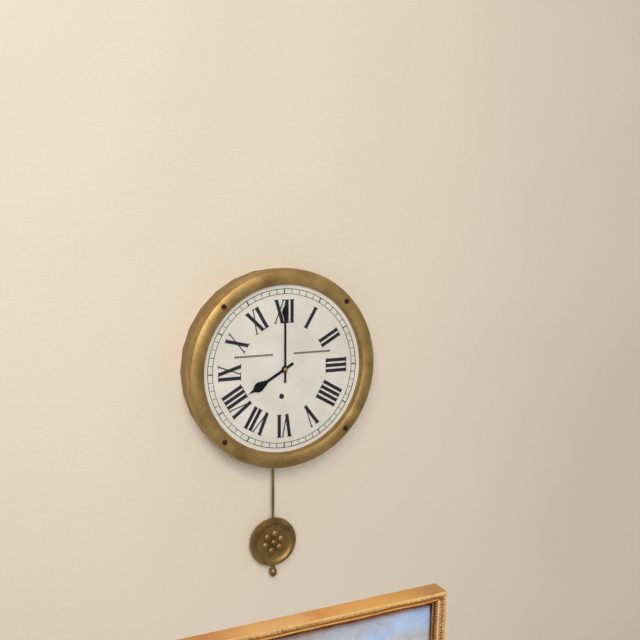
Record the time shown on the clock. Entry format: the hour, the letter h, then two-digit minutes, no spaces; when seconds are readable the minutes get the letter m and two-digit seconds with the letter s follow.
8h00
